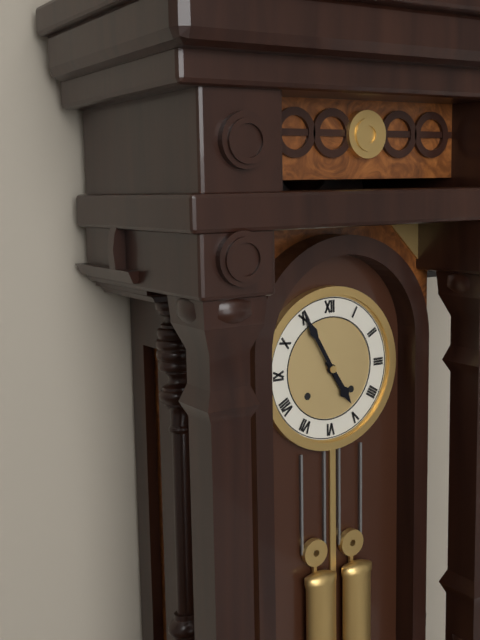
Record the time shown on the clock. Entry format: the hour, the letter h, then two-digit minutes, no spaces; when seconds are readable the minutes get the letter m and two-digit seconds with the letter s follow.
4h55
